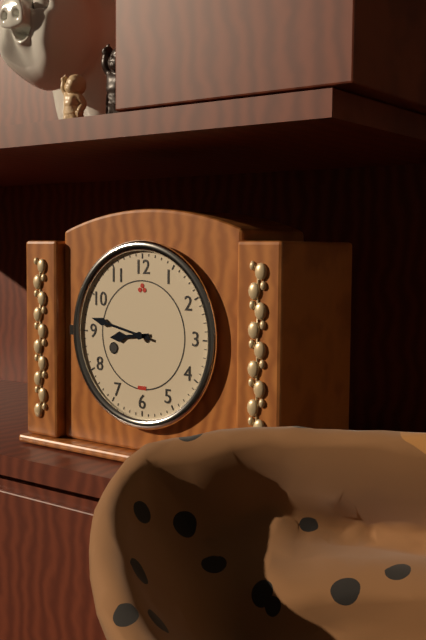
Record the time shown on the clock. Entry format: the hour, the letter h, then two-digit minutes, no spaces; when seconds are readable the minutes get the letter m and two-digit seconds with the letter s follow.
8h47
